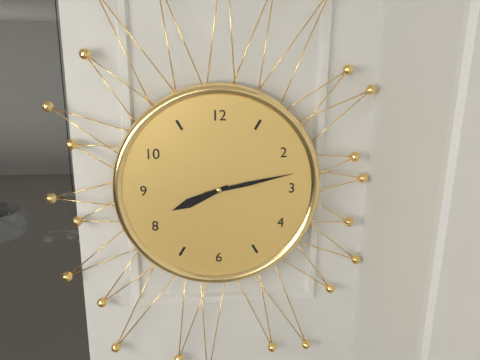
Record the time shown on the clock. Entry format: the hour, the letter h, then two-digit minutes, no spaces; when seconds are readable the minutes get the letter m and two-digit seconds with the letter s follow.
8h13
